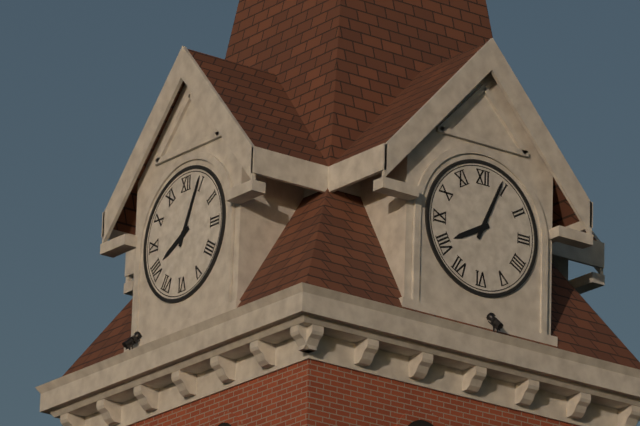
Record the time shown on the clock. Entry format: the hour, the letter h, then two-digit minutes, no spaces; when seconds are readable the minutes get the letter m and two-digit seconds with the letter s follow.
8h04
